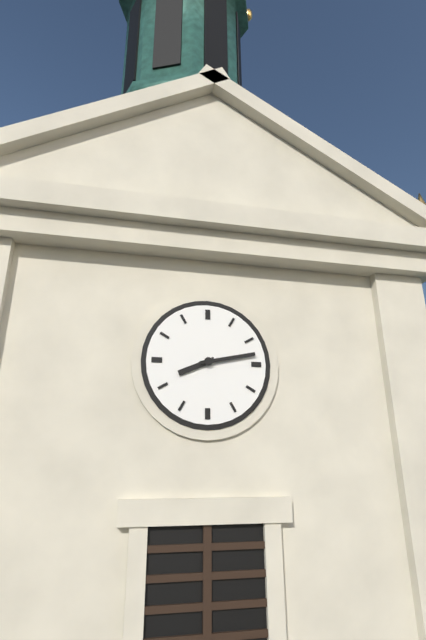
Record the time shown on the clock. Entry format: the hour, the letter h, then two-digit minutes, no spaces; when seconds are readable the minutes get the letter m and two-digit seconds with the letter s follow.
8h13
